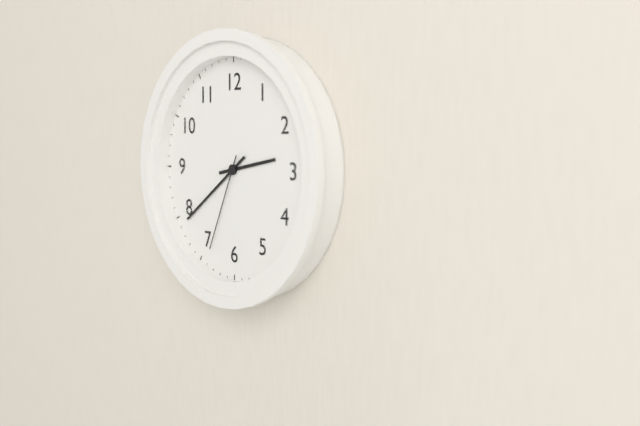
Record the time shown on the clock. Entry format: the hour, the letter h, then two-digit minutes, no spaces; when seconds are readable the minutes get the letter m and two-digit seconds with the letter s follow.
2h39m34s
